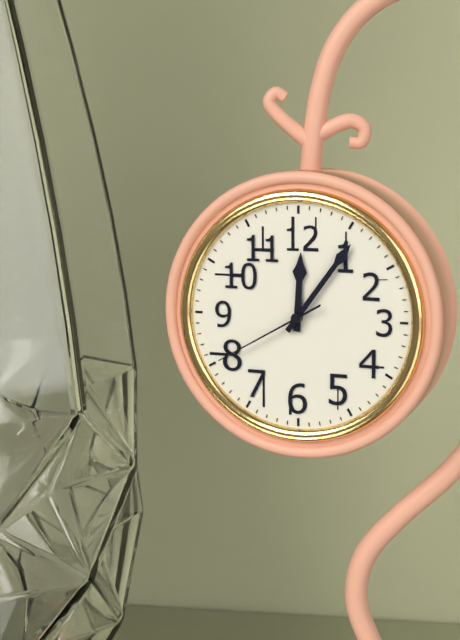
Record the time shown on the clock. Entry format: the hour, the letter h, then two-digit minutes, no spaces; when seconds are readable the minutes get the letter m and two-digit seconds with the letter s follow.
12h06m40s
